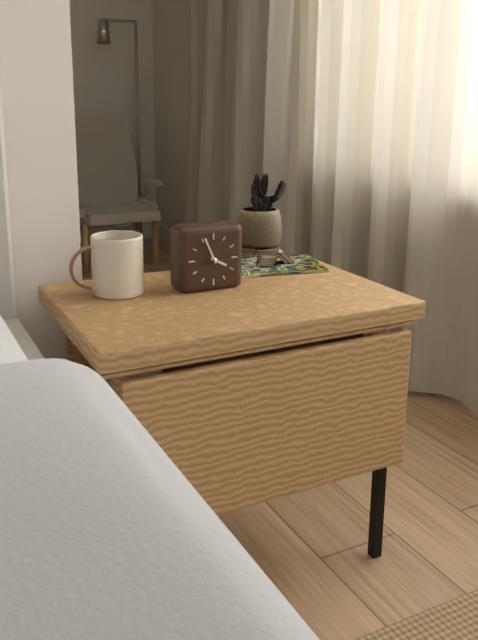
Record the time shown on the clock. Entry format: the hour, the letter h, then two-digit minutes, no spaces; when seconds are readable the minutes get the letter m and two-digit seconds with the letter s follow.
3h56
